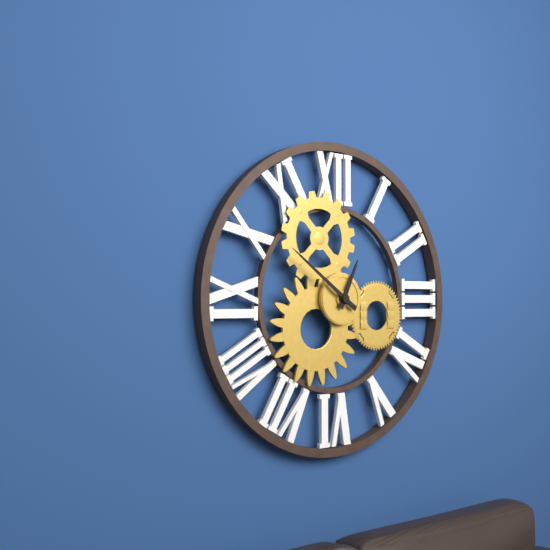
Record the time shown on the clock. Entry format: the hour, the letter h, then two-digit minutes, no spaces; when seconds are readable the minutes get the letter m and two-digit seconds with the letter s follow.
12h51
